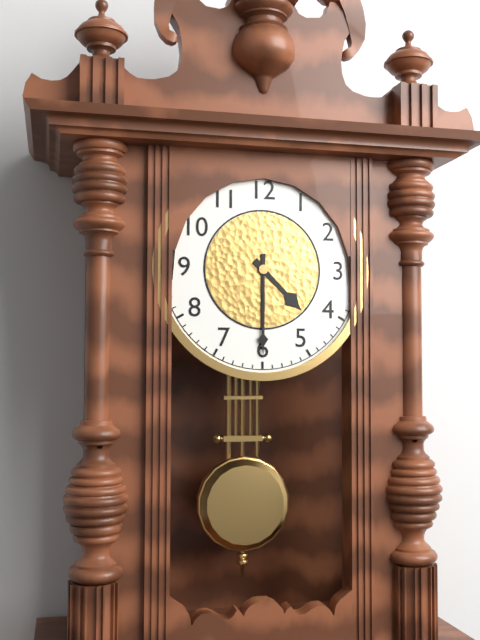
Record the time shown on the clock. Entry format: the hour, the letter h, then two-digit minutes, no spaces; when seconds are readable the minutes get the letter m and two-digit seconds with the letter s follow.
4h30
